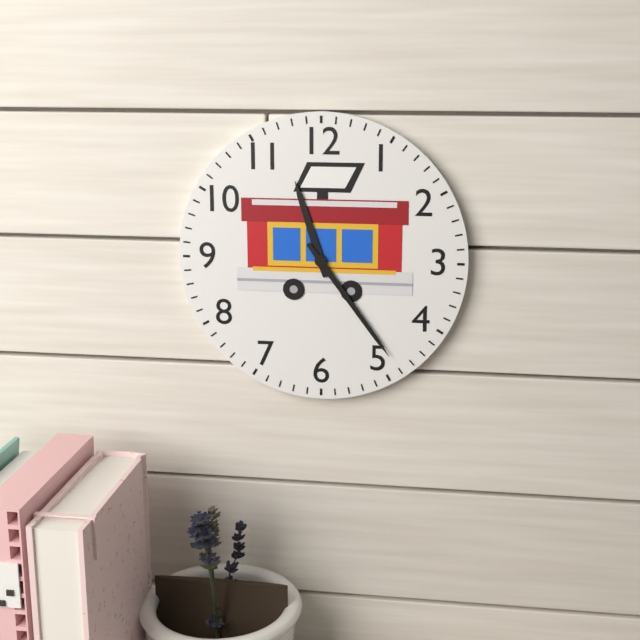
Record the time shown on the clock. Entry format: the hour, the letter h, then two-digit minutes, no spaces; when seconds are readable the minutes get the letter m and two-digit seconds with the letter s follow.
11h24
